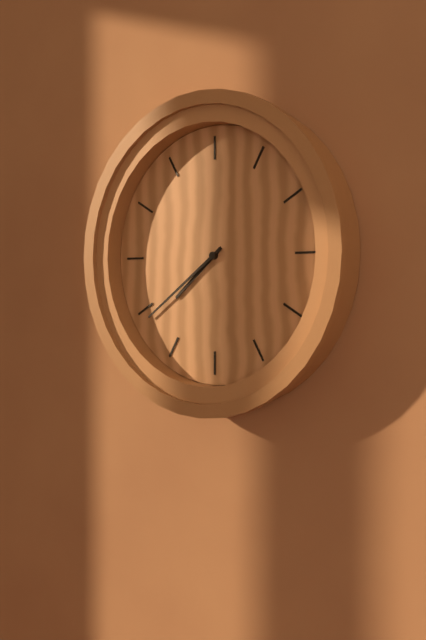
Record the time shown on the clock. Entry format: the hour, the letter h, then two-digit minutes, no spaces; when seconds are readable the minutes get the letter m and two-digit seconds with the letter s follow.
7h39
